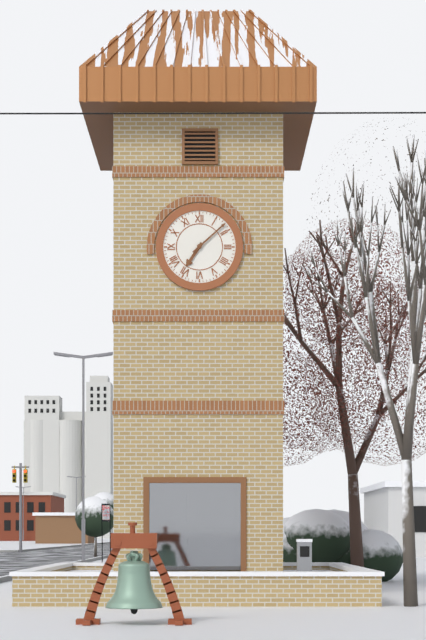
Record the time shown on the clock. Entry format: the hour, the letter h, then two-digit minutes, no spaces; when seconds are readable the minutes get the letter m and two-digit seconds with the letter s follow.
7h08
